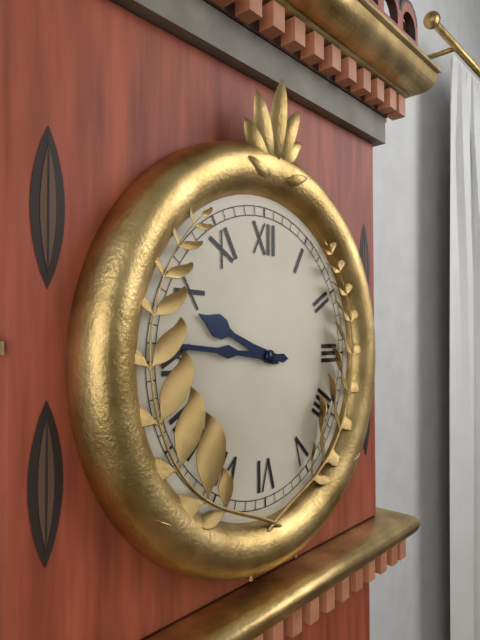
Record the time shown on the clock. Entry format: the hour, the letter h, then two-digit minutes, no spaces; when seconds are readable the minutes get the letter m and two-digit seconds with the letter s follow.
9h46
